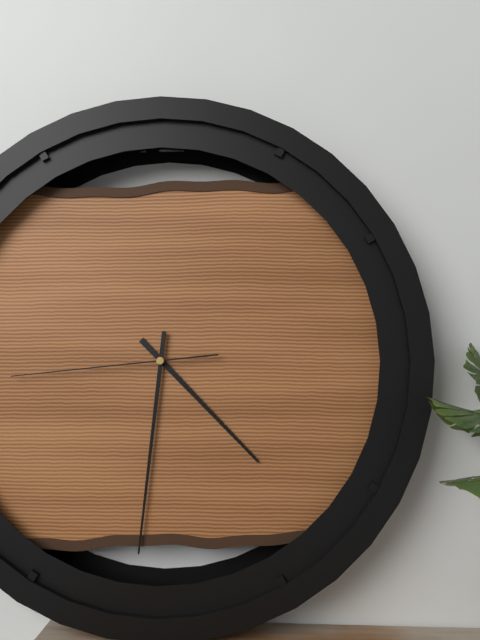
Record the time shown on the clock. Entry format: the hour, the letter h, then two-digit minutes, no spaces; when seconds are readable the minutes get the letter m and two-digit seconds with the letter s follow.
4h31m44s
